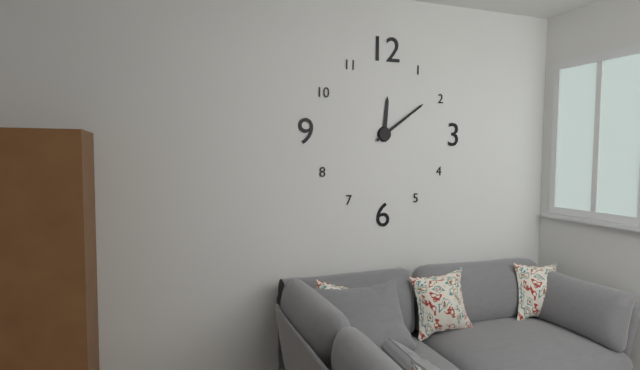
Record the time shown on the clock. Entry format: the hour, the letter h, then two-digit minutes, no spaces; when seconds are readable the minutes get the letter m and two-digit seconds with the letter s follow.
12h09
